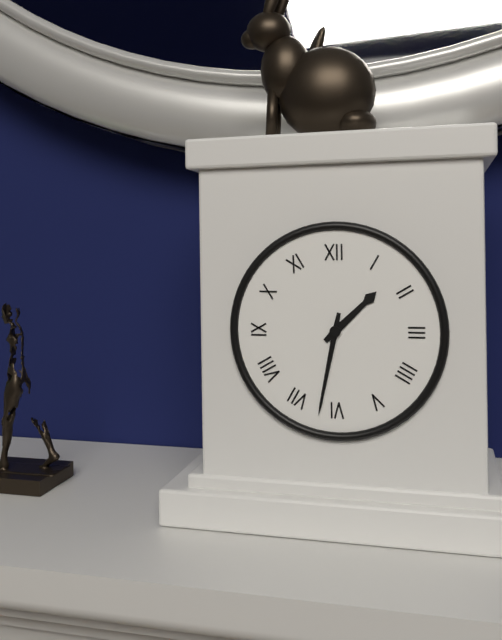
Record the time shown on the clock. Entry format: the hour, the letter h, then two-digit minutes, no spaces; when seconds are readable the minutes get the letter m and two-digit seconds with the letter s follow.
1h32
